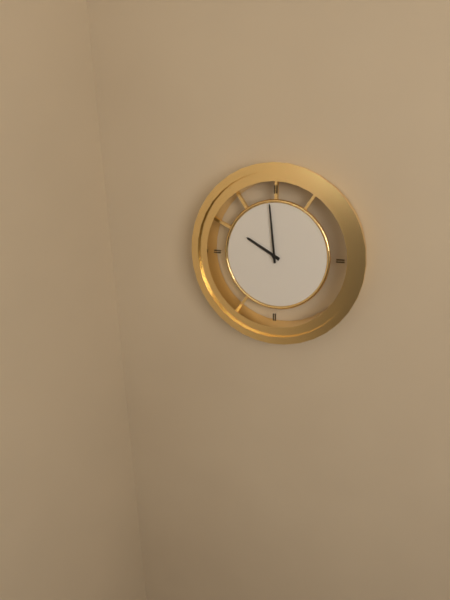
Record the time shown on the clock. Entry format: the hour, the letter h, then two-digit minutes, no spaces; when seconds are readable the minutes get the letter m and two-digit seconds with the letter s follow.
9h59
